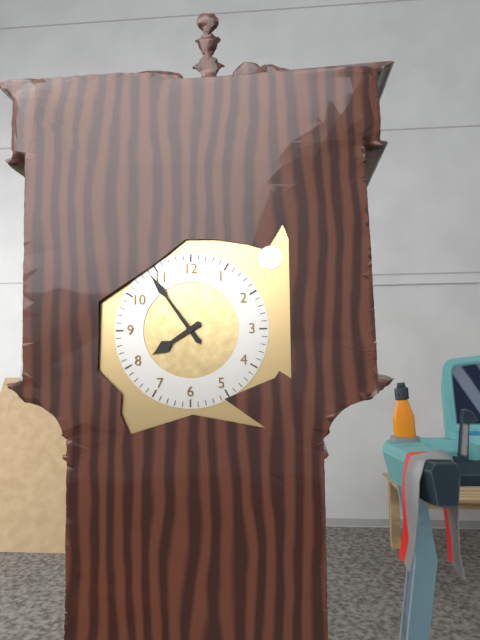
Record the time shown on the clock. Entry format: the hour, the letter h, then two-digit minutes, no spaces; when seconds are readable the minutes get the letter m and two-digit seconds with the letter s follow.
7h54
